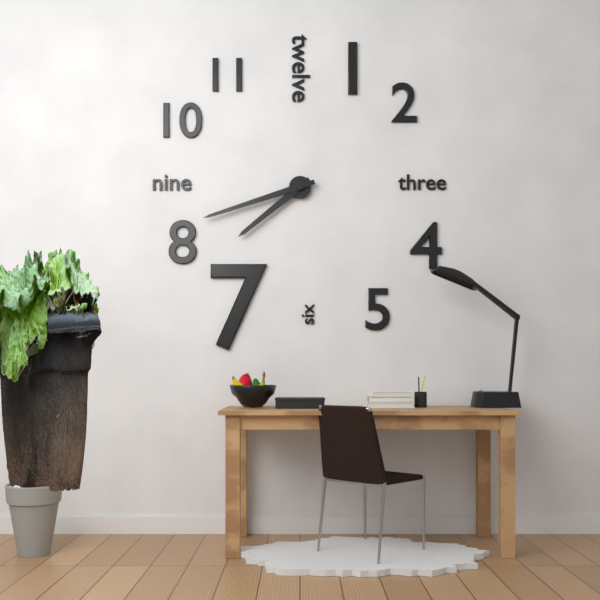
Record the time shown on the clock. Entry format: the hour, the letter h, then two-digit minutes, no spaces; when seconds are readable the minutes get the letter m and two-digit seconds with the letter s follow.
7h42
